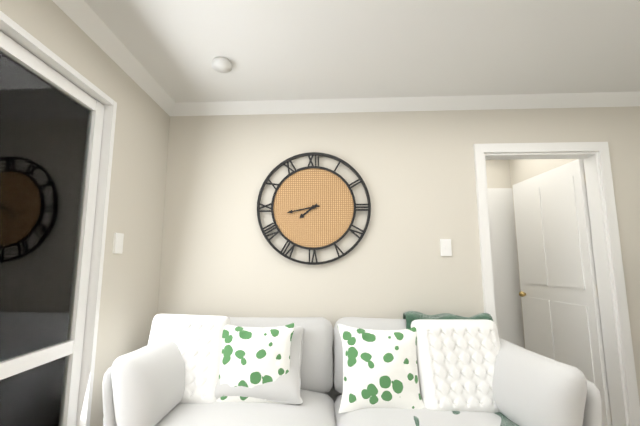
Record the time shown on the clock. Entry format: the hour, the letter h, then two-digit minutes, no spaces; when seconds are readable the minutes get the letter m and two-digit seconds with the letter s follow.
7h43
